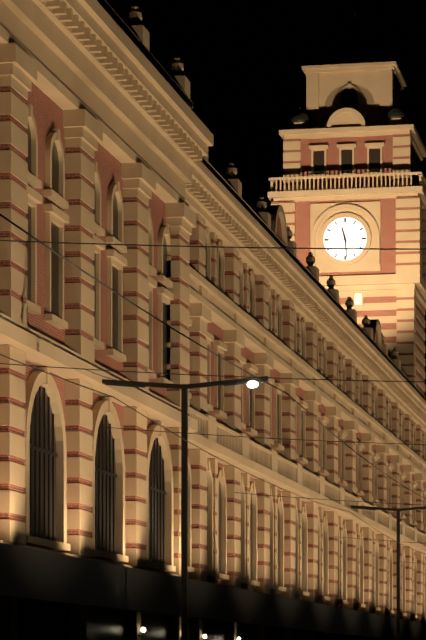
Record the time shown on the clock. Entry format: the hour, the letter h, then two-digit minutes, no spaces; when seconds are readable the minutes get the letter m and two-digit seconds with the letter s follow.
11h29
